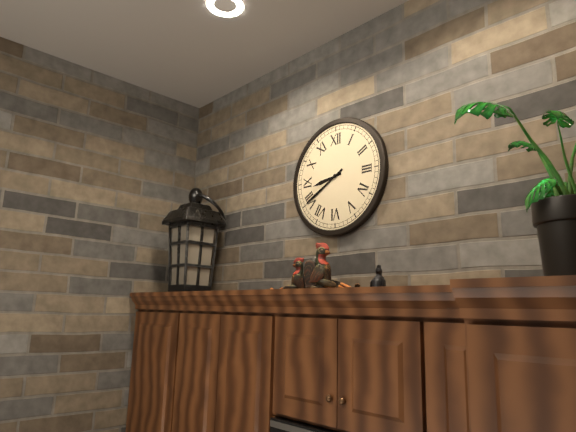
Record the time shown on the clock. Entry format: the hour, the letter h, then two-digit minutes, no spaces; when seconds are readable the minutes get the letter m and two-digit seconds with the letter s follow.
8h40
